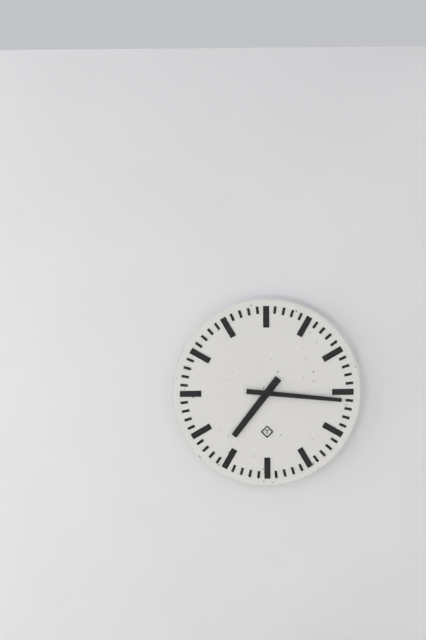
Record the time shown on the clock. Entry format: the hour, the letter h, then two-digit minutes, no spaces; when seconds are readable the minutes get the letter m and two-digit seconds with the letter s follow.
7h16
